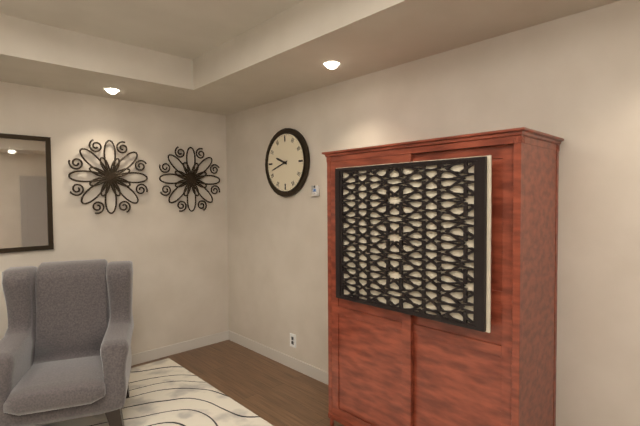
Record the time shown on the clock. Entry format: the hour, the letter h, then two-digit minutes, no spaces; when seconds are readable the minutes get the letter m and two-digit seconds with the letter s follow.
9h42
